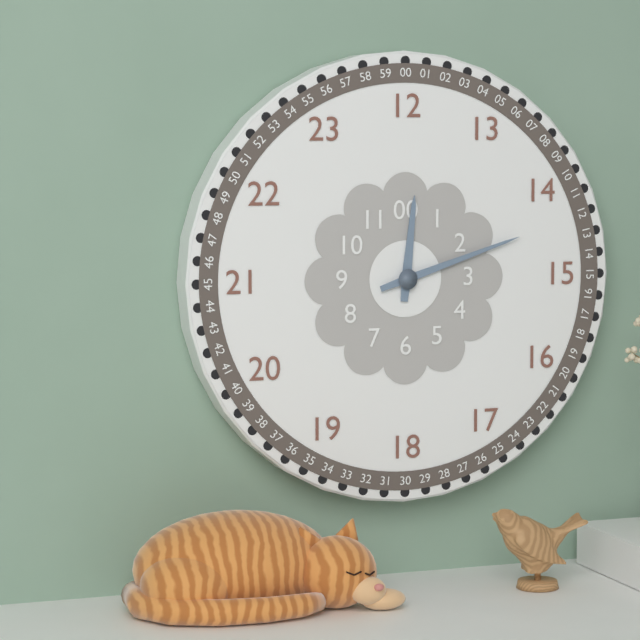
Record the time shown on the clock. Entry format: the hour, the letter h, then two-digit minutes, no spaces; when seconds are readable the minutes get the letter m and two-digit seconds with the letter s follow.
12h12
